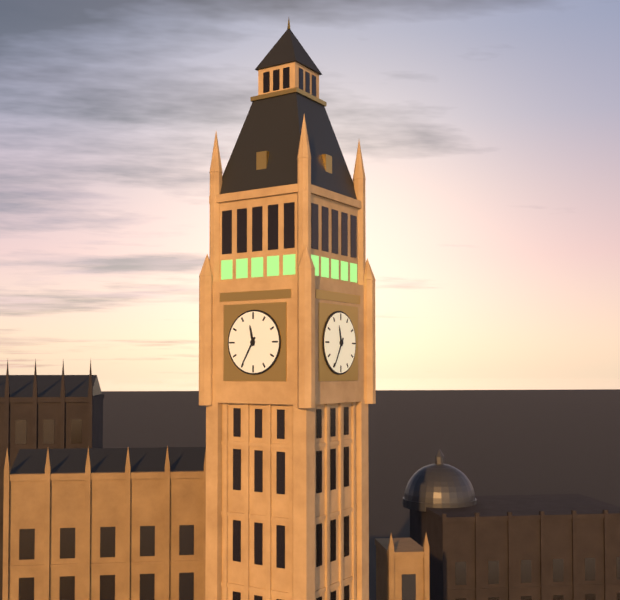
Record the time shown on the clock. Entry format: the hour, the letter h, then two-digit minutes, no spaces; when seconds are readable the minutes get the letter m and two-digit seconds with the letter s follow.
11h35
